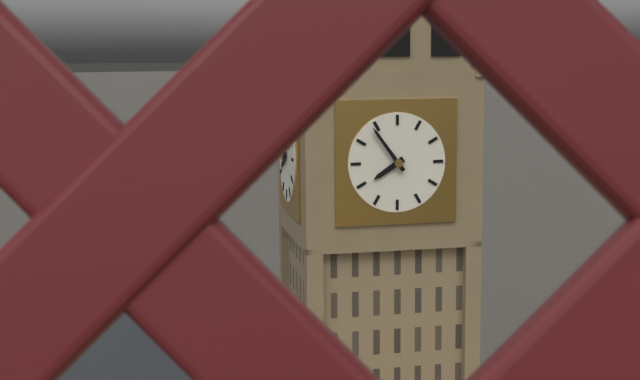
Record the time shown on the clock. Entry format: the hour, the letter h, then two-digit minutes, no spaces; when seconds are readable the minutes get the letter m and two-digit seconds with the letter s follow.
7h54
